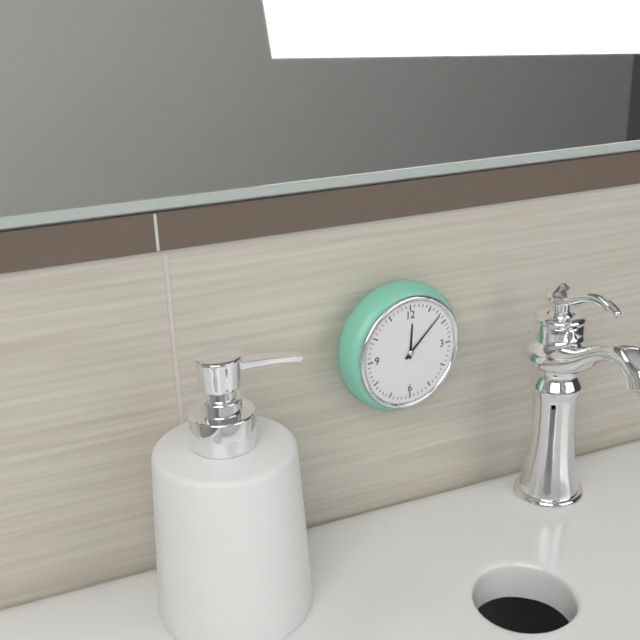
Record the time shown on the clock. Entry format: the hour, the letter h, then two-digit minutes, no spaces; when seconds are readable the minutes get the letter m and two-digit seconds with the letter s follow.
12h08
